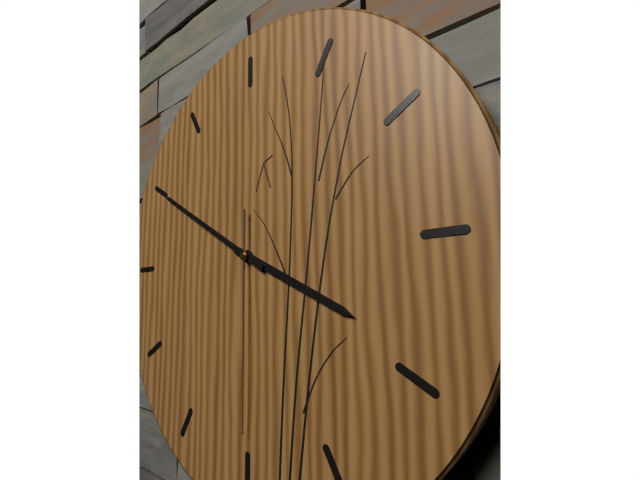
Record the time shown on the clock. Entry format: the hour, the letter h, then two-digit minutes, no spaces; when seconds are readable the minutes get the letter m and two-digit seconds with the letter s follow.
3h50m30s
